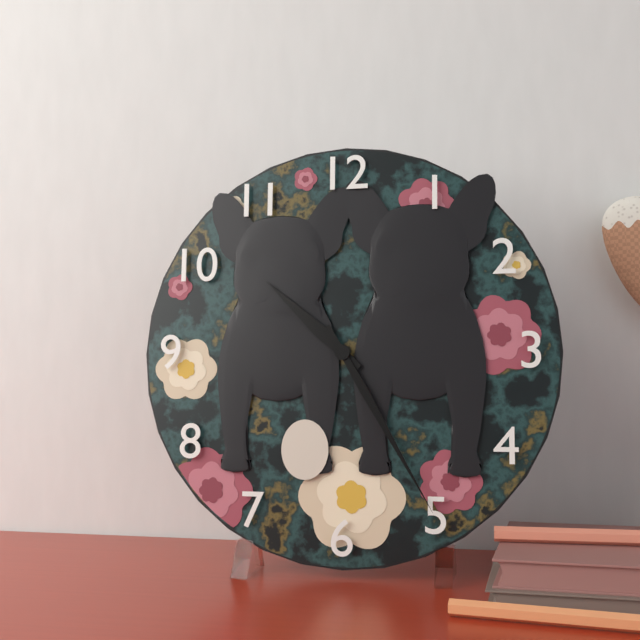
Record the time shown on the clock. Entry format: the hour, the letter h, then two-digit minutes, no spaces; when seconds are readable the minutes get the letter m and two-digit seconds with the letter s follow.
10h25
